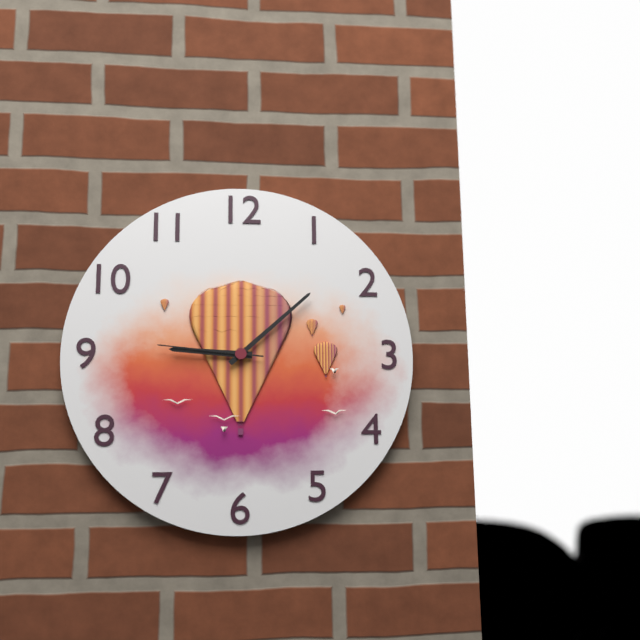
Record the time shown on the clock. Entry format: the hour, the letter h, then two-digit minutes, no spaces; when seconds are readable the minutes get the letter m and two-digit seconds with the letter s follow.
9h08m46s
